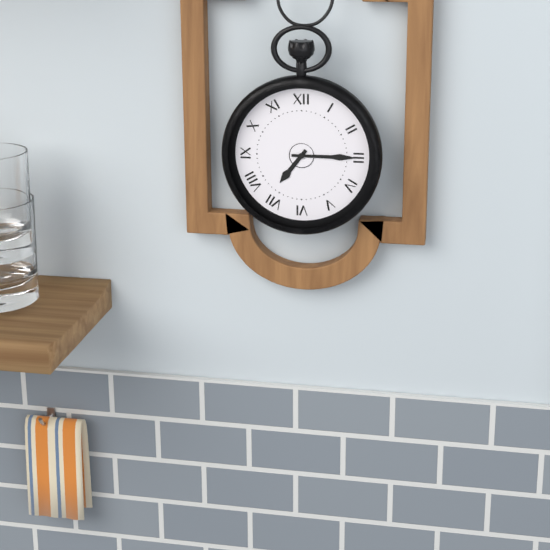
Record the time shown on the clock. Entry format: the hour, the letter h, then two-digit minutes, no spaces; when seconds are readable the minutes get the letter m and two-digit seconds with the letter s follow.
7h15
